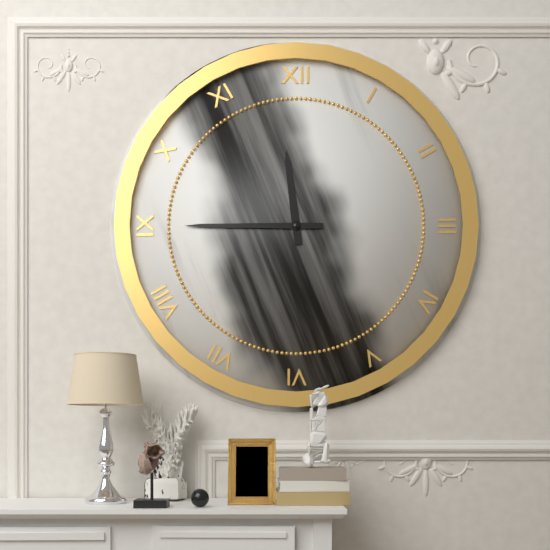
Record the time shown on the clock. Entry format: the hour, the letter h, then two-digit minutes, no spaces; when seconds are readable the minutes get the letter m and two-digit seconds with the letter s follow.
11h45
